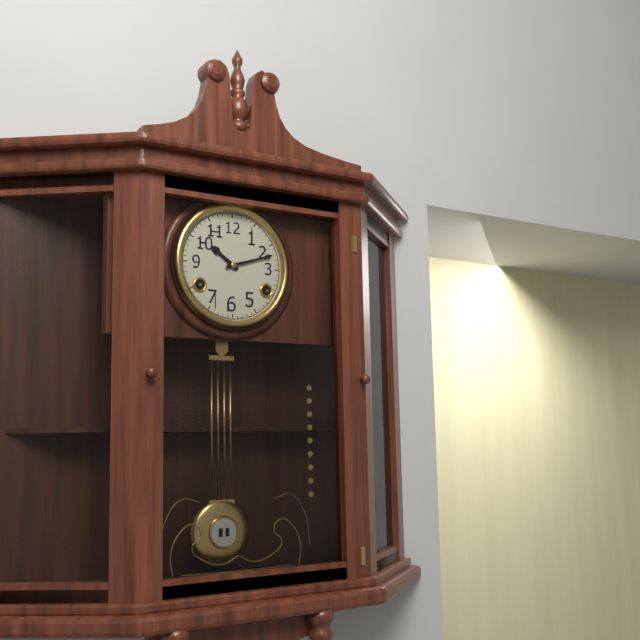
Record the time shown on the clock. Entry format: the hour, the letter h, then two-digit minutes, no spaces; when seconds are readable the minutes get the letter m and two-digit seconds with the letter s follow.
10h12
